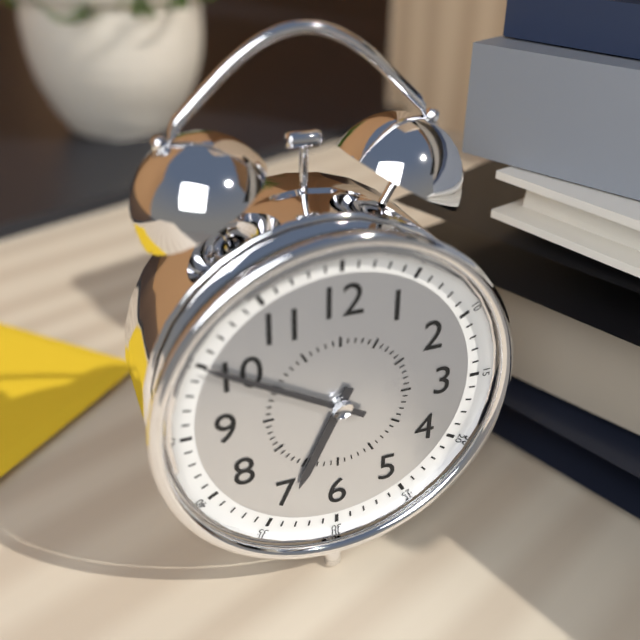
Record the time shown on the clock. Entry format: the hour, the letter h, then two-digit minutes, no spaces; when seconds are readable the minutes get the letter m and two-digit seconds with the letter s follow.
6h50
